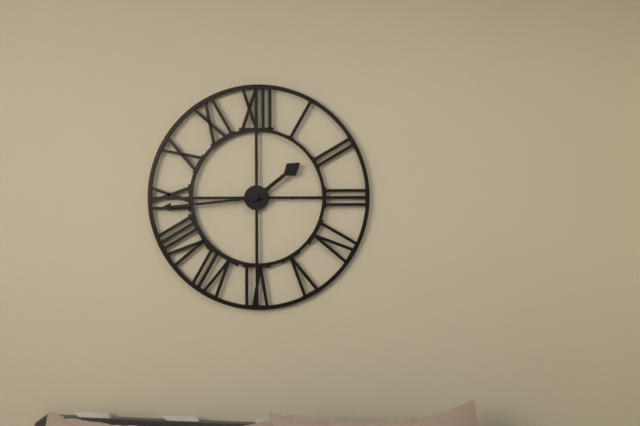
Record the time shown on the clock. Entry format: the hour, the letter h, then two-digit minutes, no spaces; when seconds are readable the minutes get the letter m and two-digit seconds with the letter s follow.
1h44
